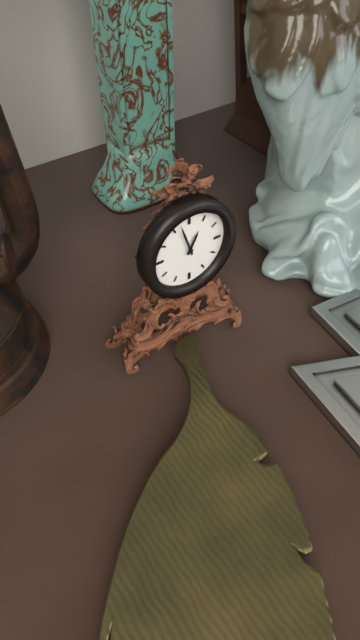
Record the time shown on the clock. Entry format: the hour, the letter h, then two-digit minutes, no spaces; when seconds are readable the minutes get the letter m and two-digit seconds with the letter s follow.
12h57
